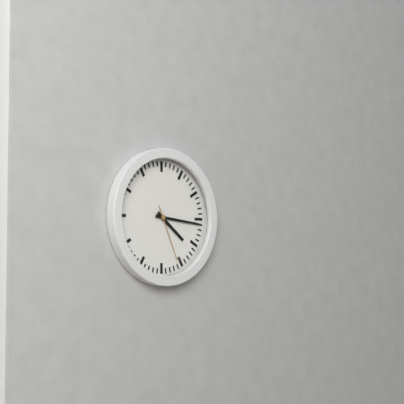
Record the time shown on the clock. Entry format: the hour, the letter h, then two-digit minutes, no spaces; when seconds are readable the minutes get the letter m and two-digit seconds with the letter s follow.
4h16m26s
